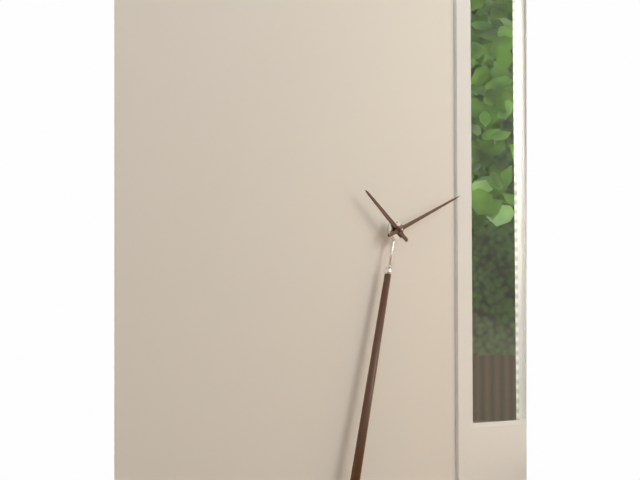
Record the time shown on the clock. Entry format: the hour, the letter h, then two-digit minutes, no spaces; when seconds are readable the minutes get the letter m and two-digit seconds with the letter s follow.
10h11
